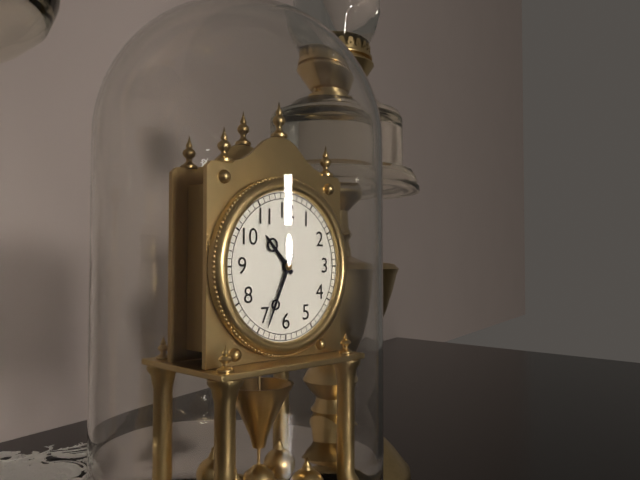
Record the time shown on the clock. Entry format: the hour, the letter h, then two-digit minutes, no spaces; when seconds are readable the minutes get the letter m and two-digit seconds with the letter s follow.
10h34
